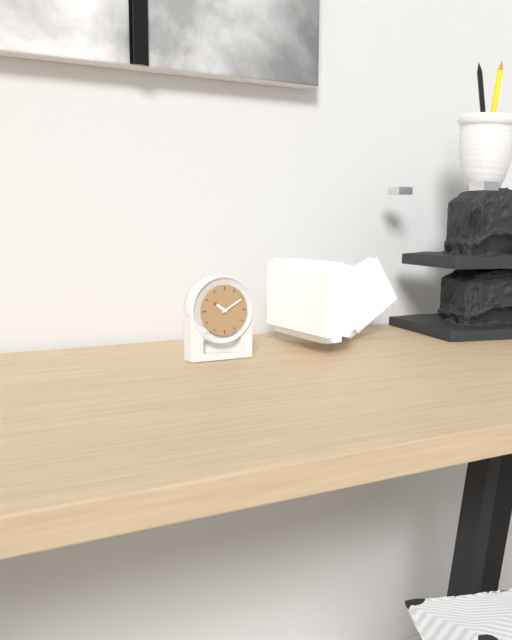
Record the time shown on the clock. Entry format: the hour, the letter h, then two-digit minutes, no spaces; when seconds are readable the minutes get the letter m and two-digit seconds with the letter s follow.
10h10
